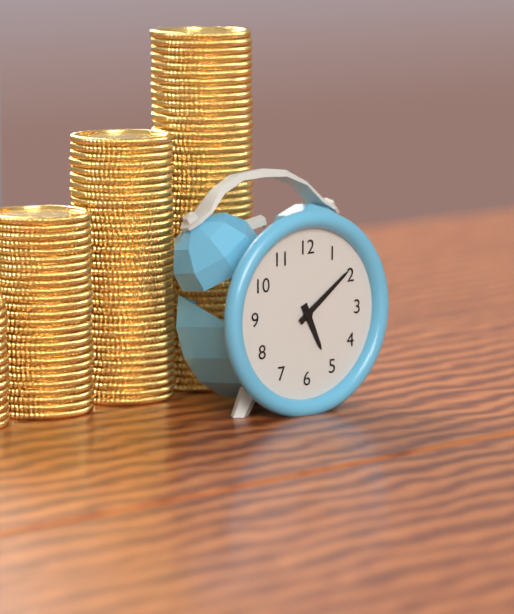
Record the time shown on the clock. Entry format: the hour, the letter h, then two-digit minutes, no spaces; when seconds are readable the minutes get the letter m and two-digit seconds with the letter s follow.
5h09
